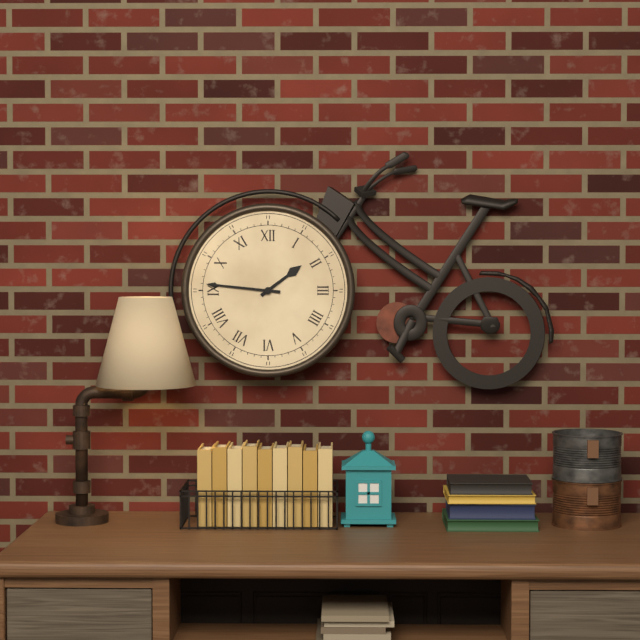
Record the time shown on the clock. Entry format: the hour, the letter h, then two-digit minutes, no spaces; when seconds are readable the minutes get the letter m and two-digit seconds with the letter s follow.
1h46
